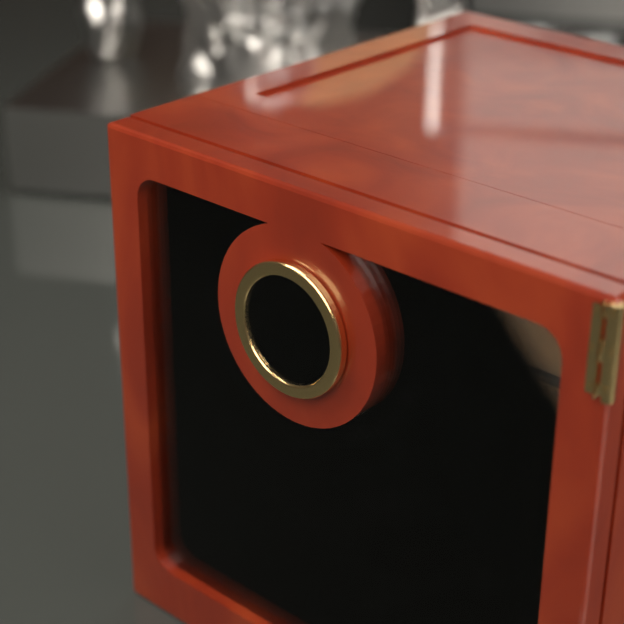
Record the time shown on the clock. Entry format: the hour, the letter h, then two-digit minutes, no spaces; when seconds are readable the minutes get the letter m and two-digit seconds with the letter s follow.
6h49
